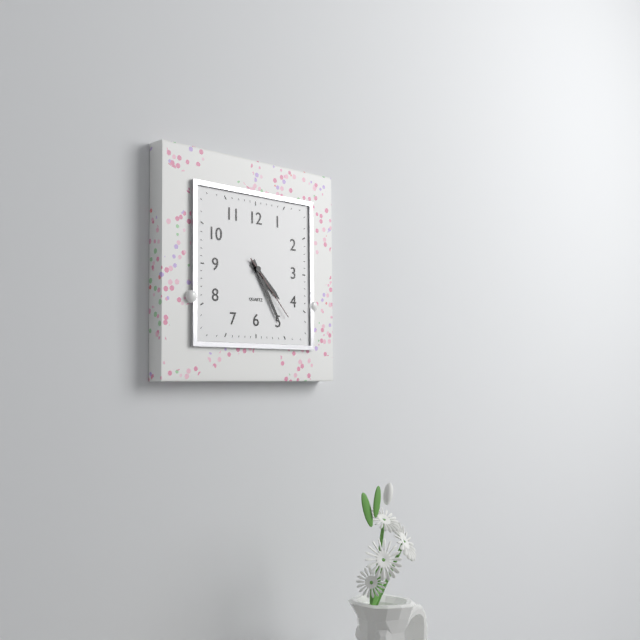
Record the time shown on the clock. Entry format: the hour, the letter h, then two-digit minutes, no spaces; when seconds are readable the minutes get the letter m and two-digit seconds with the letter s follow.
4h25m23s
